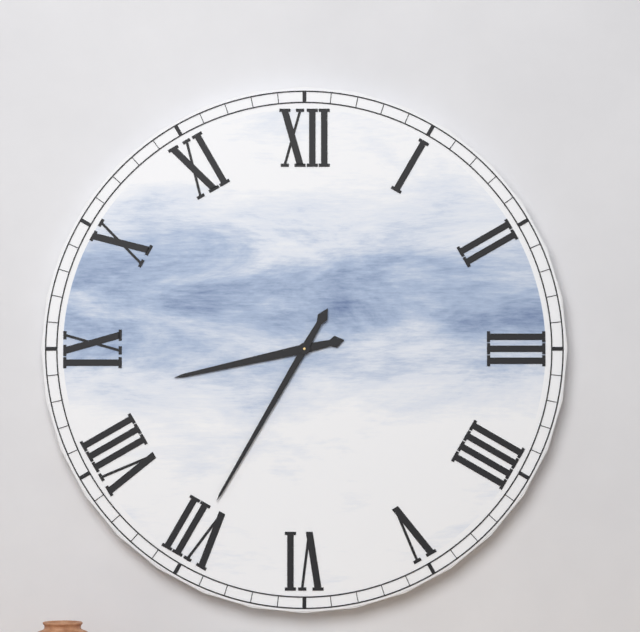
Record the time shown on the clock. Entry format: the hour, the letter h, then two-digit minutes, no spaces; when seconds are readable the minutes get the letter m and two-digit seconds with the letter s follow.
8h35
